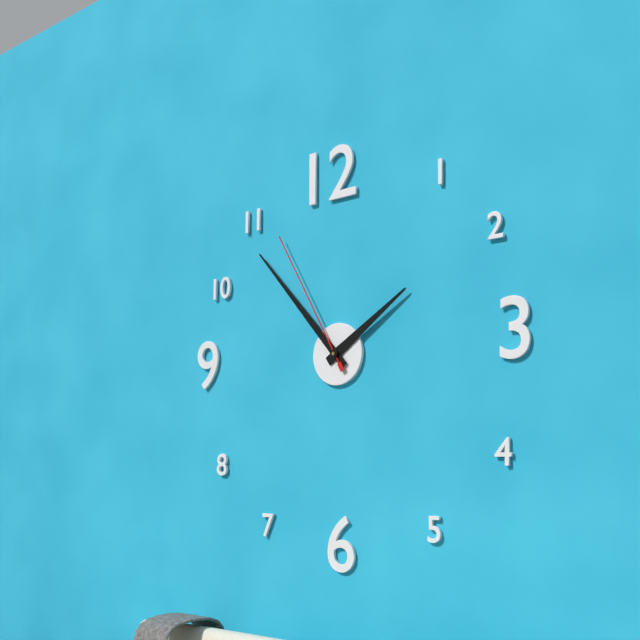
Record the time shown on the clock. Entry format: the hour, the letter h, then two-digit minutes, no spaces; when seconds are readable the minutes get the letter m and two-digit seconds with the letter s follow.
1h53m55s
